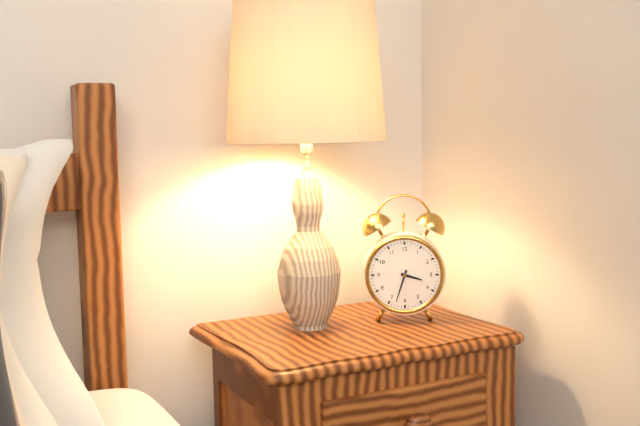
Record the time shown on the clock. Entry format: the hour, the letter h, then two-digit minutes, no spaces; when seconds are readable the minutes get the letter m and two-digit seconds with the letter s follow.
3h33
